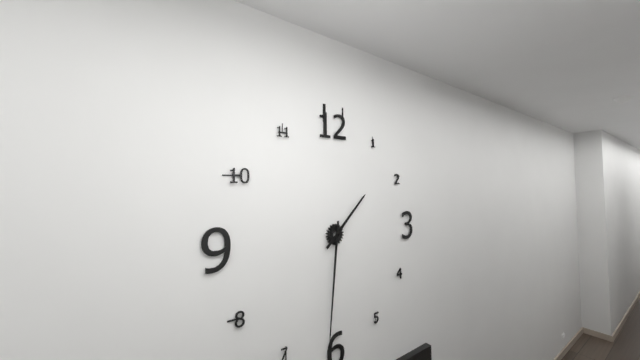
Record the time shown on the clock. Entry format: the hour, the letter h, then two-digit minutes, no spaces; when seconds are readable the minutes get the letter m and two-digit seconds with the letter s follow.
1h31
